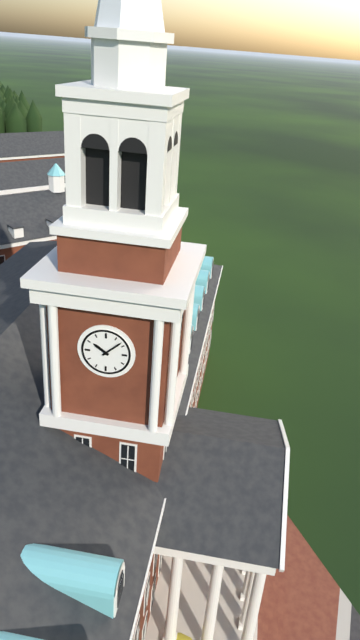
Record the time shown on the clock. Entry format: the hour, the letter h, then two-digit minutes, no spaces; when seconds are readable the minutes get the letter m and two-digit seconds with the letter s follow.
10h08
